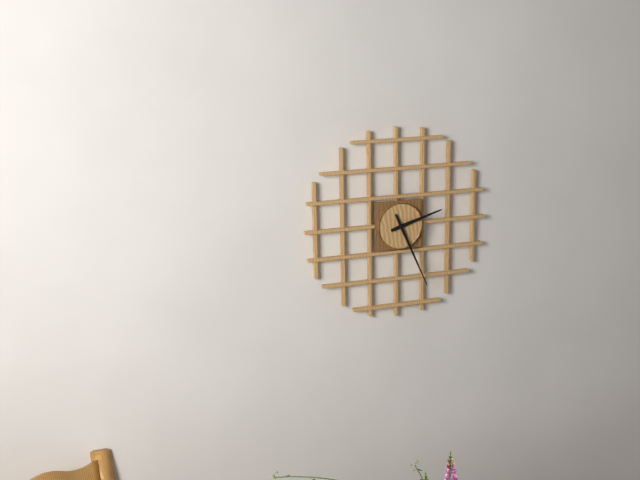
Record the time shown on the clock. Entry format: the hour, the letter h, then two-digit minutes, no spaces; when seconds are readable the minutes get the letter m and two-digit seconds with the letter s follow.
2h26
